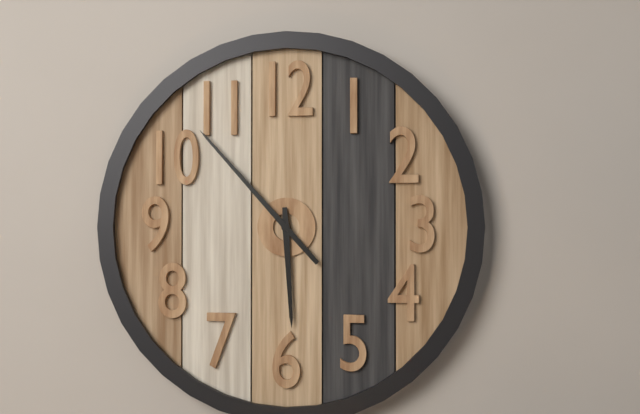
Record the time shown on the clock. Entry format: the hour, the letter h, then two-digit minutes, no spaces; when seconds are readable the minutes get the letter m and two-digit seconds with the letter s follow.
5h53
